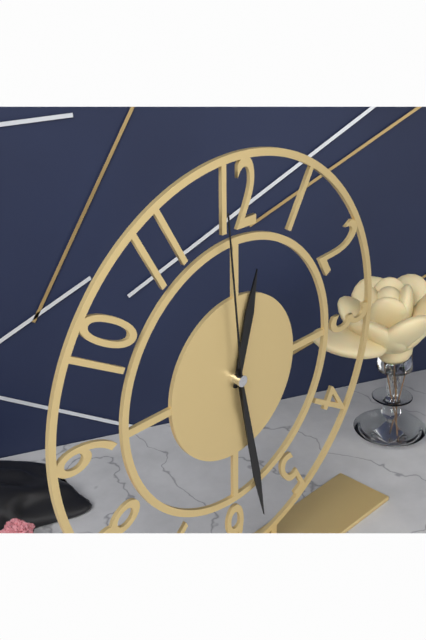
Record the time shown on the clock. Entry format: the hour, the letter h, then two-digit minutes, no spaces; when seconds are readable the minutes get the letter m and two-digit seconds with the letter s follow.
12h28m59s
